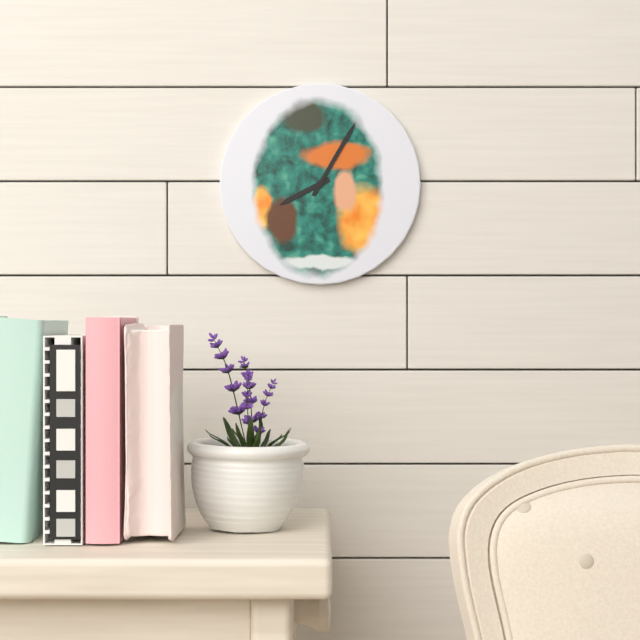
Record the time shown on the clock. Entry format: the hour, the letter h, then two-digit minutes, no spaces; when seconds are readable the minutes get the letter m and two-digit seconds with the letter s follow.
8h05
